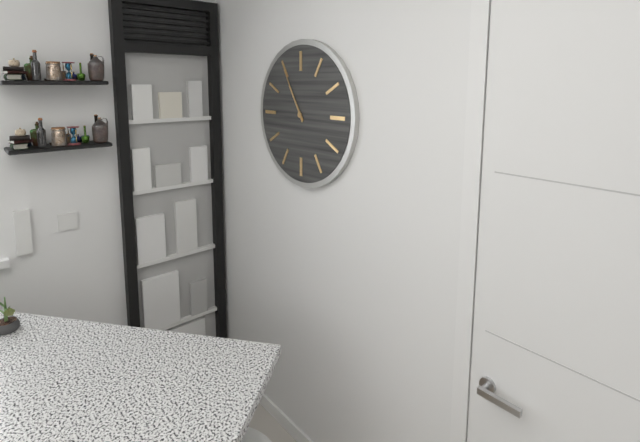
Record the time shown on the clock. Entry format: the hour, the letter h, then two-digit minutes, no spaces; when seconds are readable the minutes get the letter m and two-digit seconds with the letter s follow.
10h55
